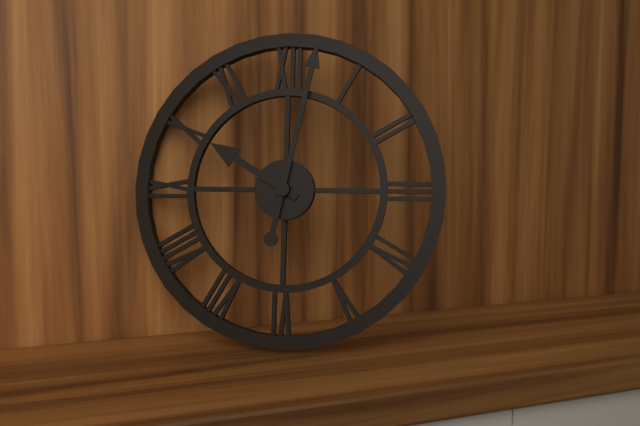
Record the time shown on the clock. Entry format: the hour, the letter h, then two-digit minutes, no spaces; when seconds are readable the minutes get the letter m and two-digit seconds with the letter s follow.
10h02
